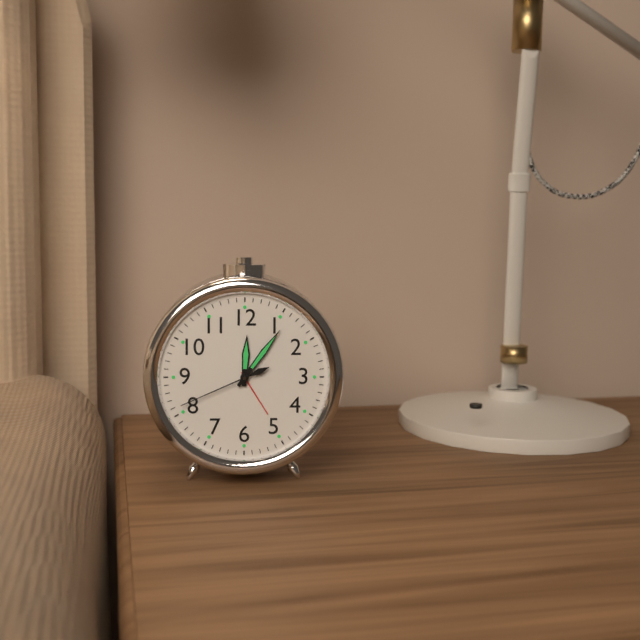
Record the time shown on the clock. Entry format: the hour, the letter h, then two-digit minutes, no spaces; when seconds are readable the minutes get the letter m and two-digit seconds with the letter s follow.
12h06m41s
